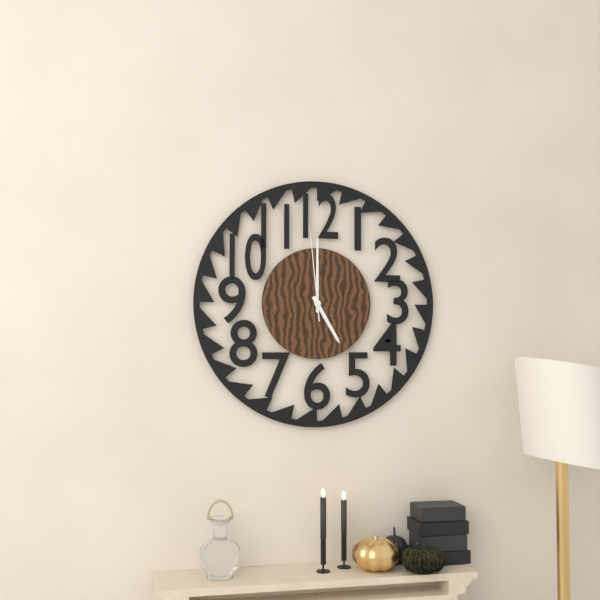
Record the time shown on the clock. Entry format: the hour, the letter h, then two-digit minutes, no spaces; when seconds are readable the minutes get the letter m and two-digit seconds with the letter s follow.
5h00m59s
